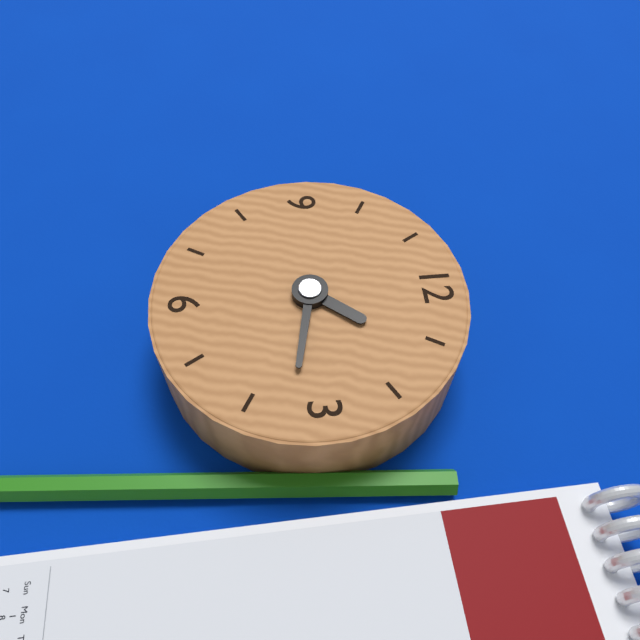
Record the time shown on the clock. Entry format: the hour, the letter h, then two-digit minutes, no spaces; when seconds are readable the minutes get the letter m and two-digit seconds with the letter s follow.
1h17
